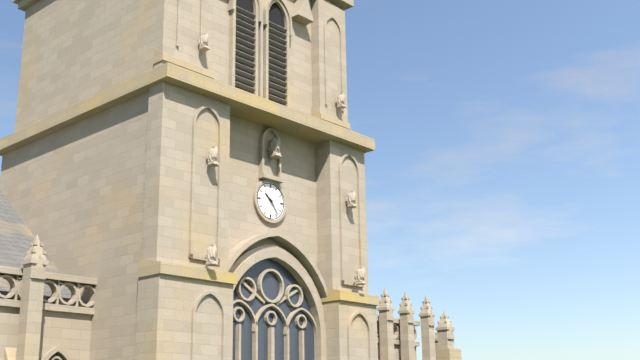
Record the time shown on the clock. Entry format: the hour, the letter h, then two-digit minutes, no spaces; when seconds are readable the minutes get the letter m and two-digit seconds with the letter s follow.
10h24
